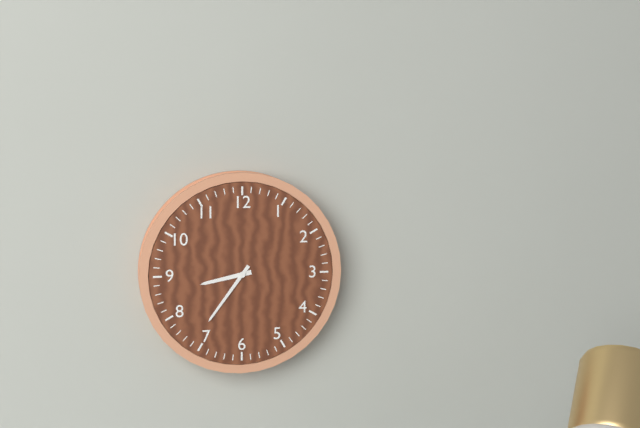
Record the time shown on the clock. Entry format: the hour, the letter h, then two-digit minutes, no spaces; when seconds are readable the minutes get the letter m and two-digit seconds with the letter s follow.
8h36
